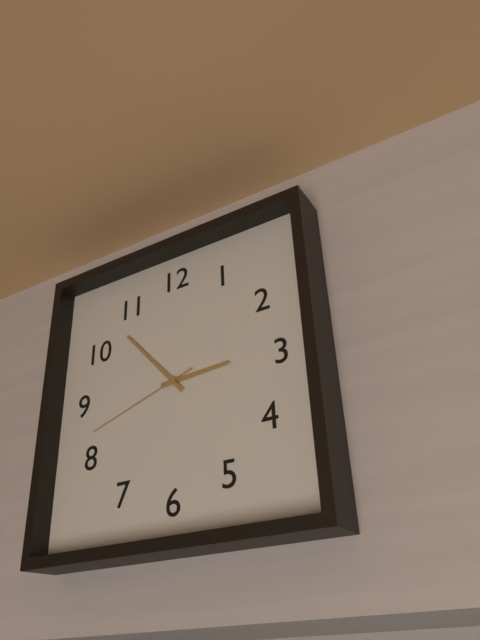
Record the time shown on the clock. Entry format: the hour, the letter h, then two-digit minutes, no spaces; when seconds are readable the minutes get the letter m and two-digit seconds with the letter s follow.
2h53m42s
